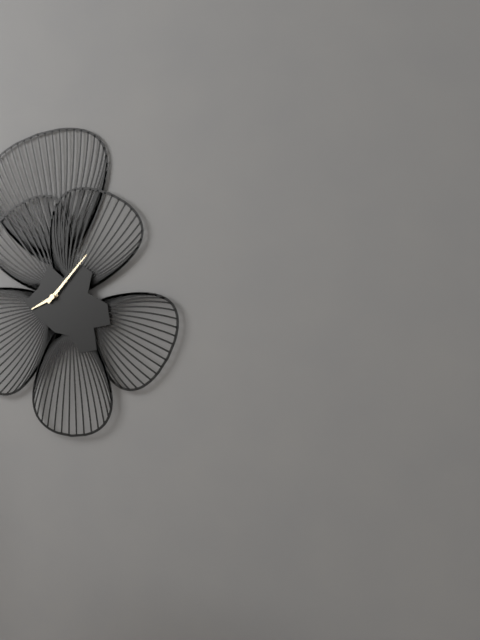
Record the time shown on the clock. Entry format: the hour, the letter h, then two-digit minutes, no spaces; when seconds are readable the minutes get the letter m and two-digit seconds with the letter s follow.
8h07
